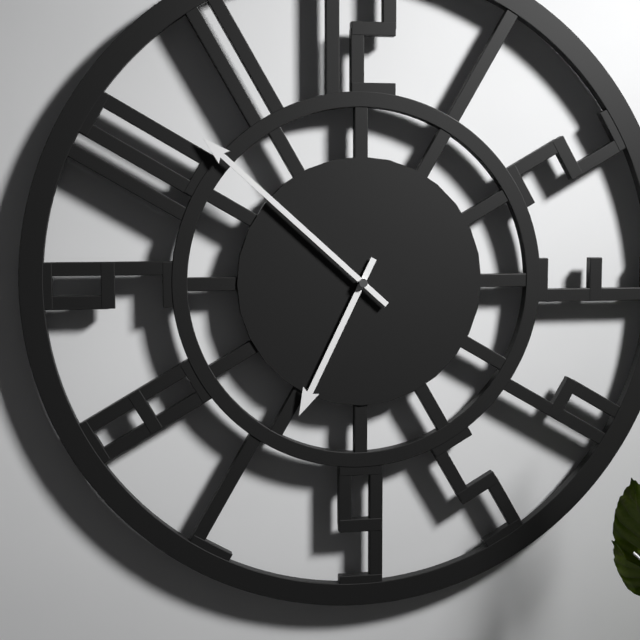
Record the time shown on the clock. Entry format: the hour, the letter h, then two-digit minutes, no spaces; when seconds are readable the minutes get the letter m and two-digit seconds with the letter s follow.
6h52
